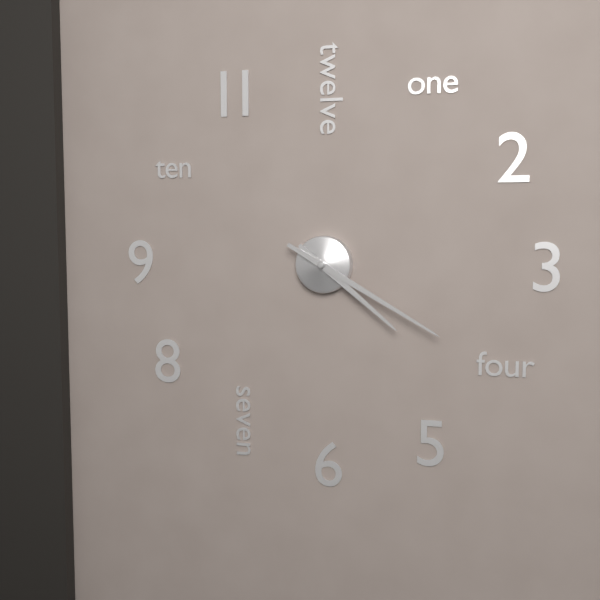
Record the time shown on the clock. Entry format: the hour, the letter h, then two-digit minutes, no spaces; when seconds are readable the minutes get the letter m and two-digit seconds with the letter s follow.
4h20
